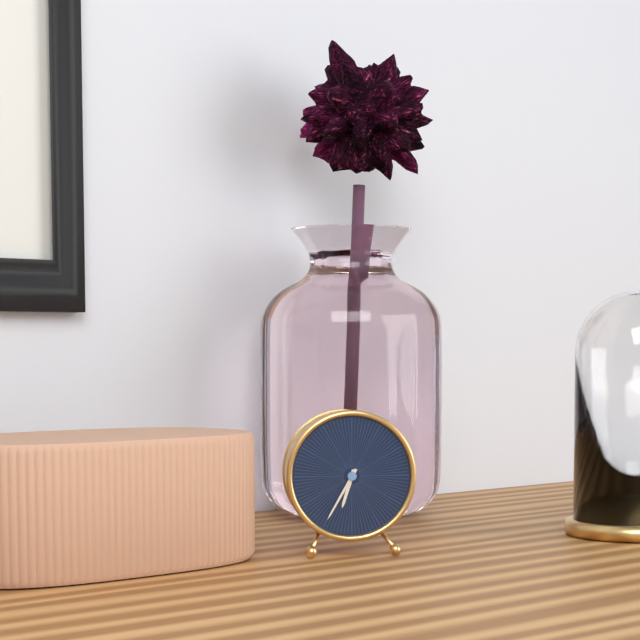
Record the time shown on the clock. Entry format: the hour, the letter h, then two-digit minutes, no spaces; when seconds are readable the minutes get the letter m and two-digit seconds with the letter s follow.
6h35
